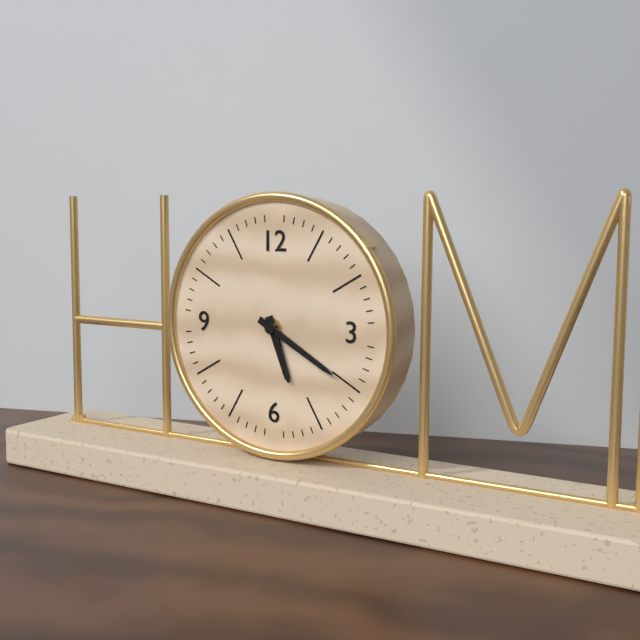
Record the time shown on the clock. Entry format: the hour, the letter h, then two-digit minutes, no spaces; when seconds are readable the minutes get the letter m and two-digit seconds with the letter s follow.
5h20
